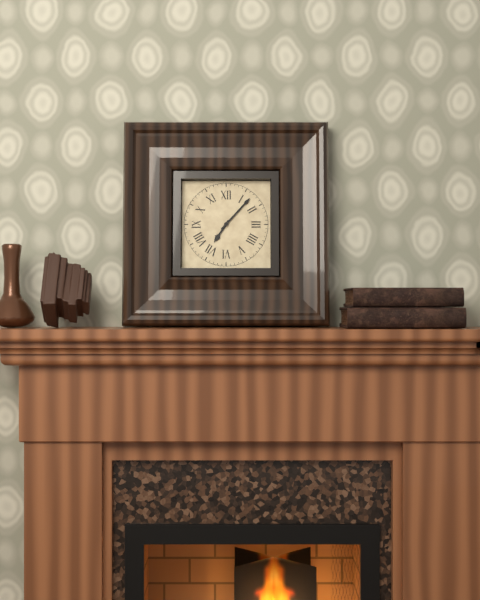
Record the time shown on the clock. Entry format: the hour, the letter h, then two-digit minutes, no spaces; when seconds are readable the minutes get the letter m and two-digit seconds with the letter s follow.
7h07
